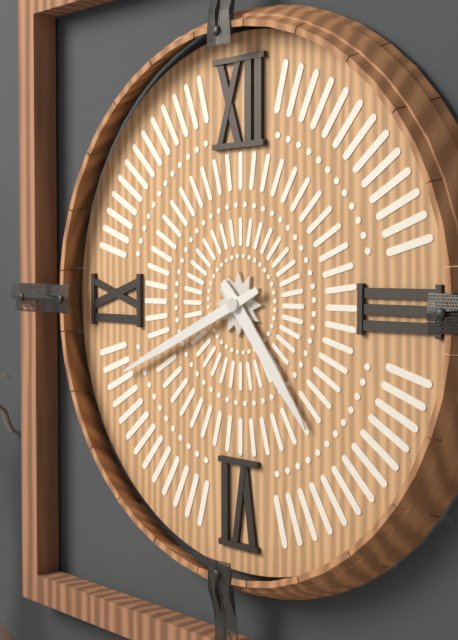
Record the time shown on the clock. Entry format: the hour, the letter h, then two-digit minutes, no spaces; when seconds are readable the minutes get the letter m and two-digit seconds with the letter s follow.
4h41
